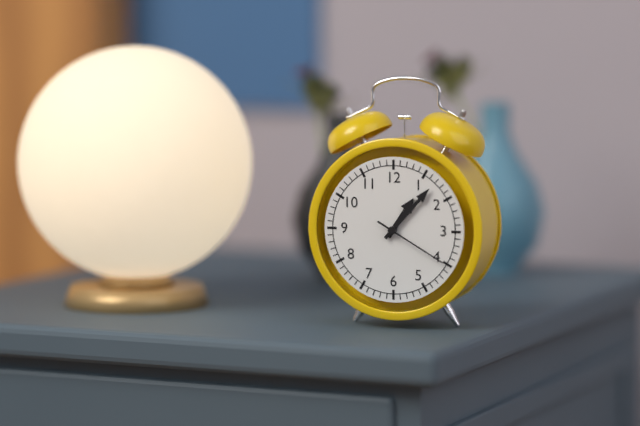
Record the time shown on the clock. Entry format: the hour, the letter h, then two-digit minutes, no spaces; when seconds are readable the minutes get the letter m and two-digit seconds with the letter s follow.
1h07m20s
